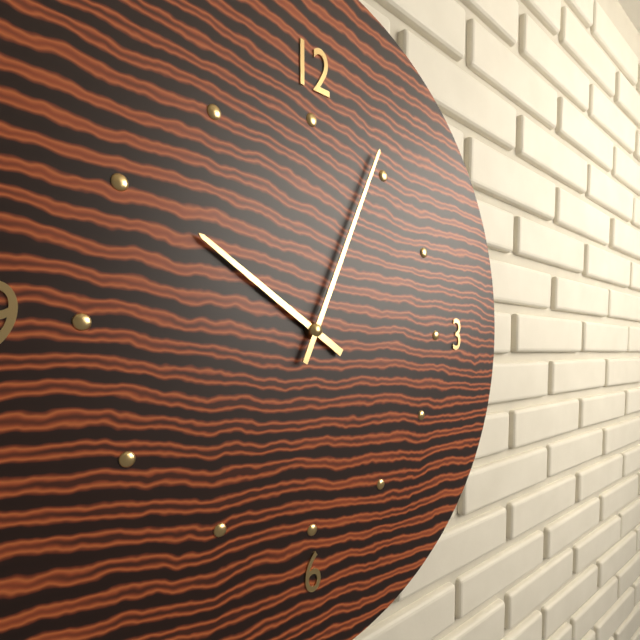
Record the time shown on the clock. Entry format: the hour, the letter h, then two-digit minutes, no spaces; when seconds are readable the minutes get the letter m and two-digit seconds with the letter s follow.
10h04
